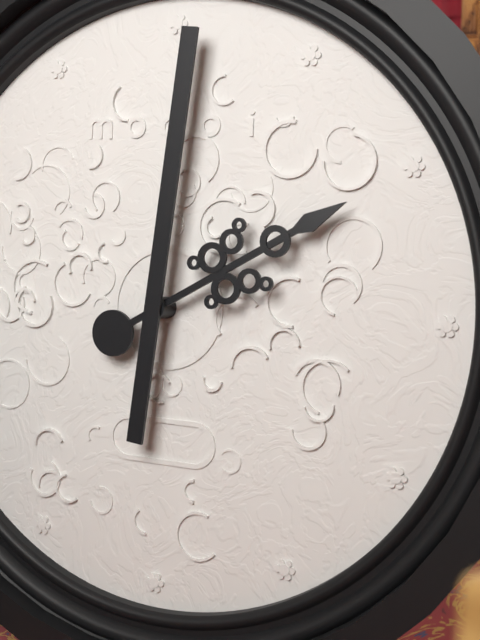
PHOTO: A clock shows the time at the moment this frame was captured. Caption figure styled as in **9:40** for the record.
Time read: **2:01**
